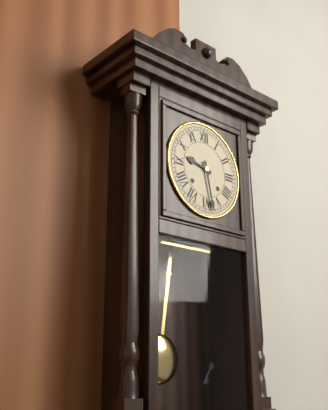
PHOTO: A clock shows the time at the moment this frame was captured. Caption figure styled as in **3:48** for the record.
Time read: **9:28**
